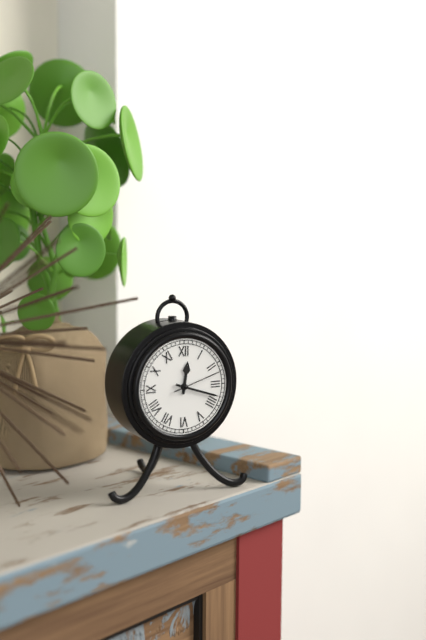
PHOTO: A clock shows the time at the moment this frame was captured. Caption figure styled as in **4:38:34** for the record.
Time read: **12:18:12**
